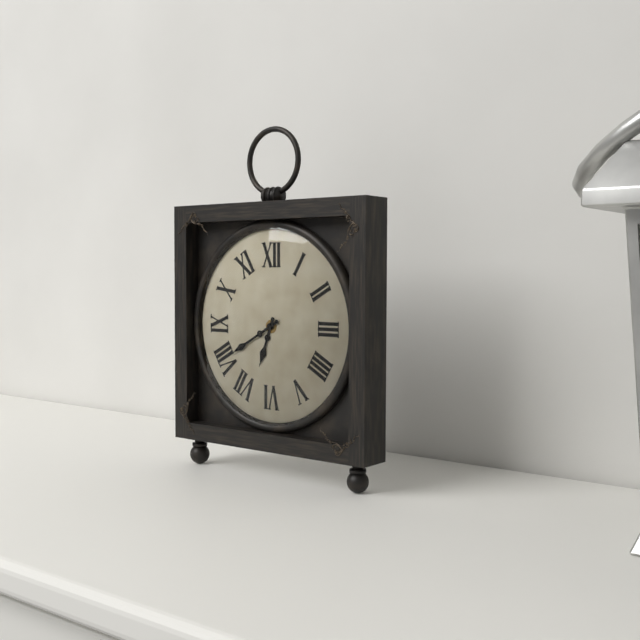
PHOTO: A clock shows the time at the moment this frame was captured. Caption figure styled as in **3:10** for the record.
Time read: **6:40**
